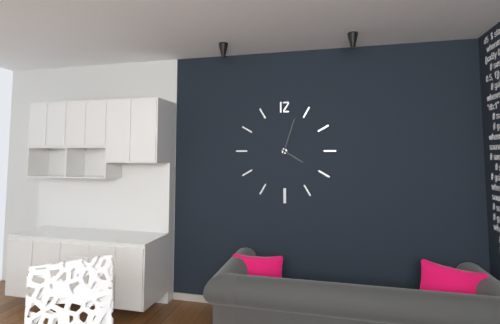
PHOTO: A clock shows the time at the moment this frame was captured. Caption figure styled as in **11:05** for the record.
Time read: **4:03**
